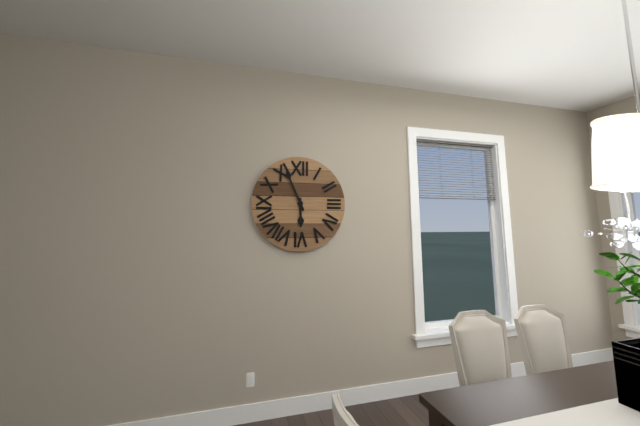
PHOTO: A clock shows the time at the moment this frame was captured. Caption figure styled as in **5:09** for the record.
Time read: **5:56**
